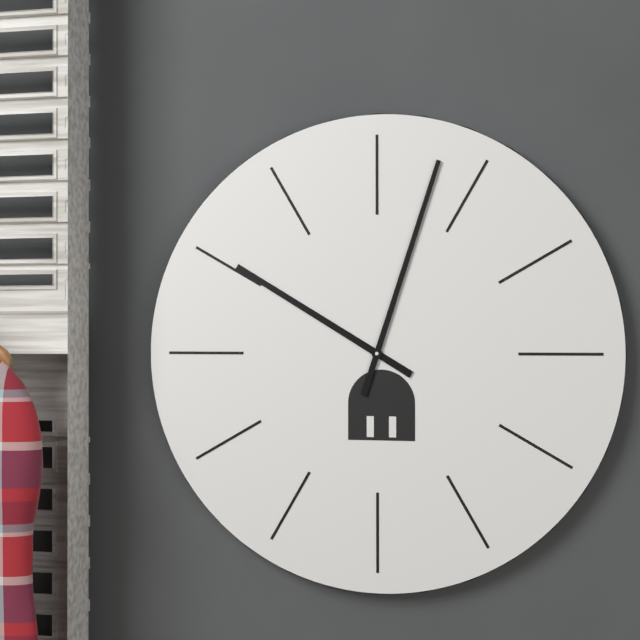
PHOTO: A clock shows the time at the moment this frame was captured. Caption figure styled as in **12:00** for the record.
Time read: **10:03**
